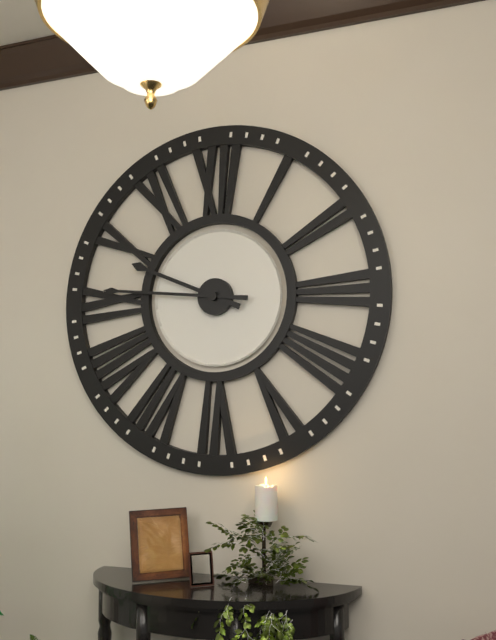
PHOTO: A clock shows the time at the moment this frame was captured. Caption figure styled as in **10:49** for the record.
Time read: **9:46**
